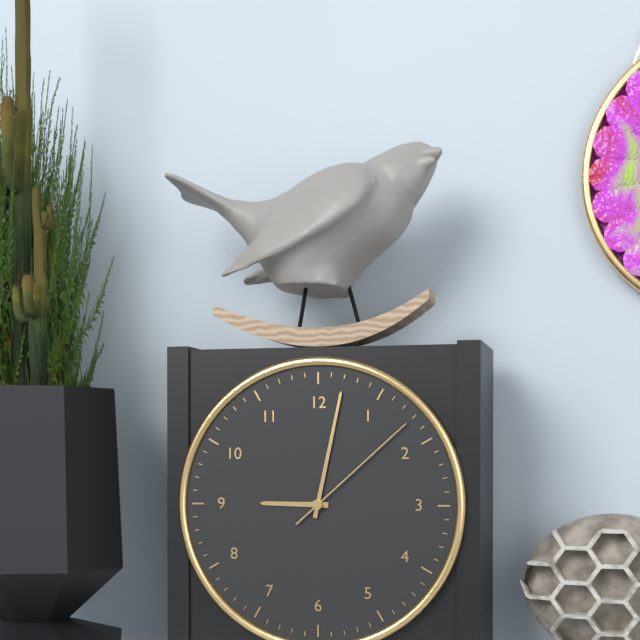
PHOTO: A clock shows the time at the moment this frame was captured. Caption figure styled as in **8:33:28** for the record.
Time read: **9:02:08**
